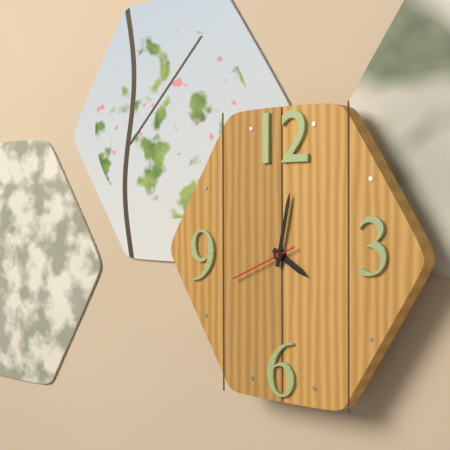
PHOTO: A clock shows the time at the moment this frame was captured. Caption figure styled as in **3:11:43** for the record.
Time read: **4:02:41**
